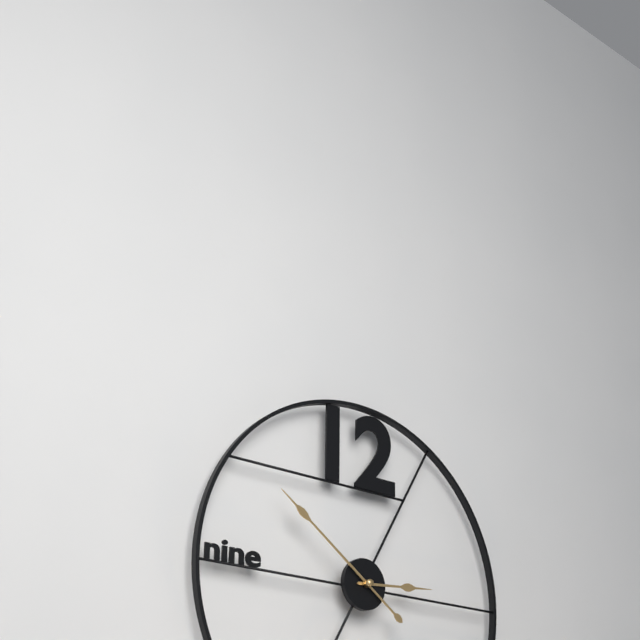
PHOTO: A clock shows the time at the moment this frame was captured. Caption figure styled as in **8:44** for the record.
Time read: **2:51**
